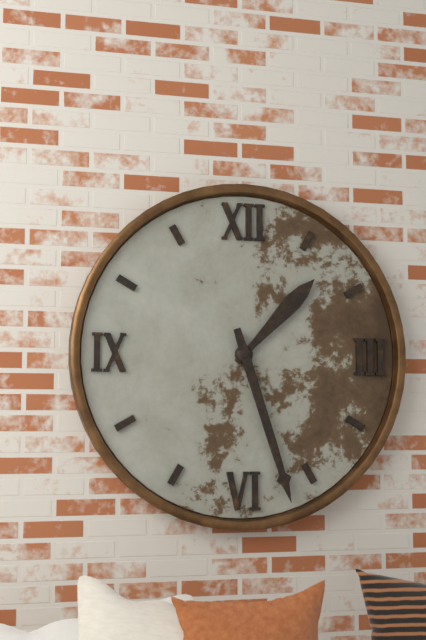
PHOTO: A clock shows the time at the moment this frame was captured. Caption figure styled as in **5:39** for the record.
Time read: **1:27**
